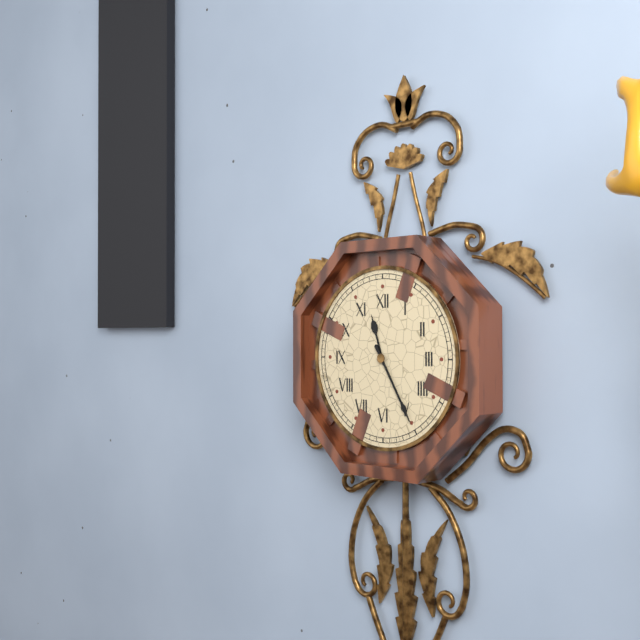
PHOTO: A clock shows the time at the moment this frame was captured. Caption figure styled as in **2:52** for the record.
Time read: **11:25**
